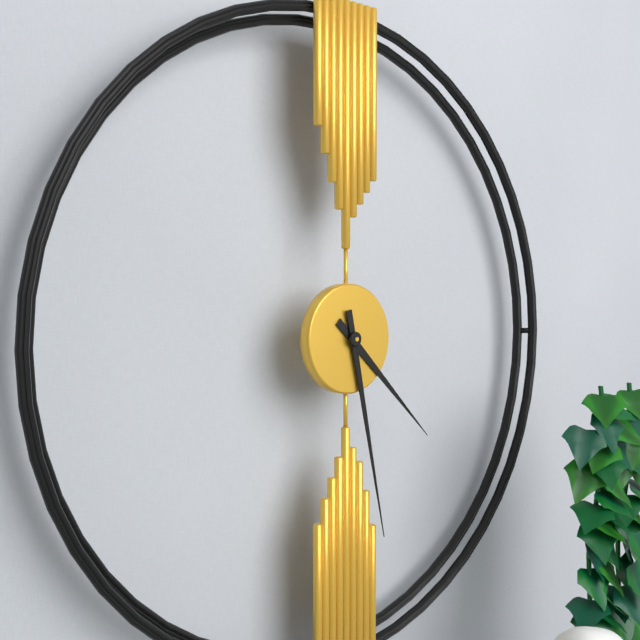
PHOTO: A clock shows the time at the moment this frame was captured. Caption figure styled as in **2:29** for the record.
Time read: **4:28**
